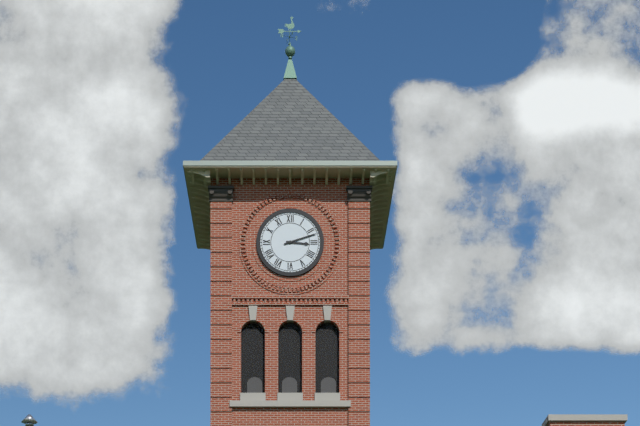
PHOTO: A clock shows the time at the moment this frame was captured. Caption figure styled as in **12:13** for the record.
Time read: **3:12**
